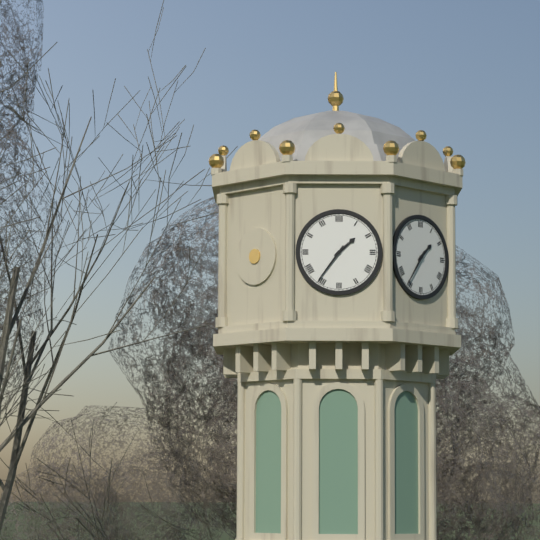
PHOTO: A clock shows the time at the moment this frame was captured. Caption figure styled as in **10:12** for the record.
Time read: **1:36**
